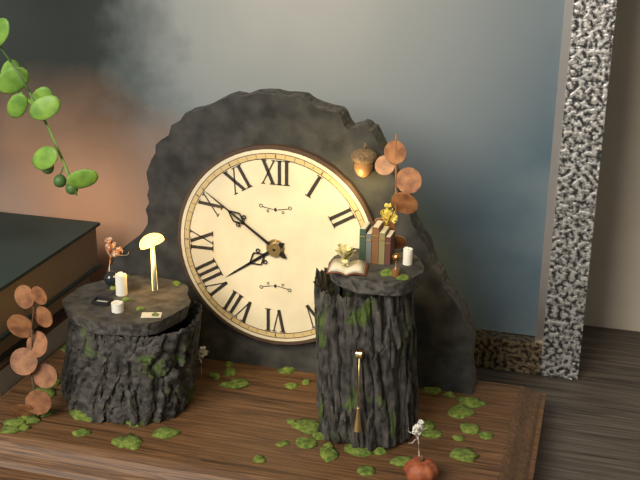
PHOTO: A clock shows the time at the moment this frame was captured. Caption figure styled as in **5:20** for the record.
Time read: **7:51**
